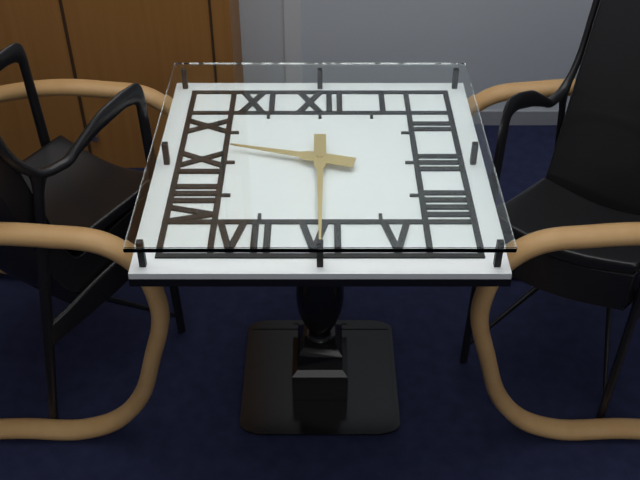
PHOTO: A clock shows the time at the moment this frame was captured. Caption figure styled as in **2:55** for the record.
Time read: **9:30**
